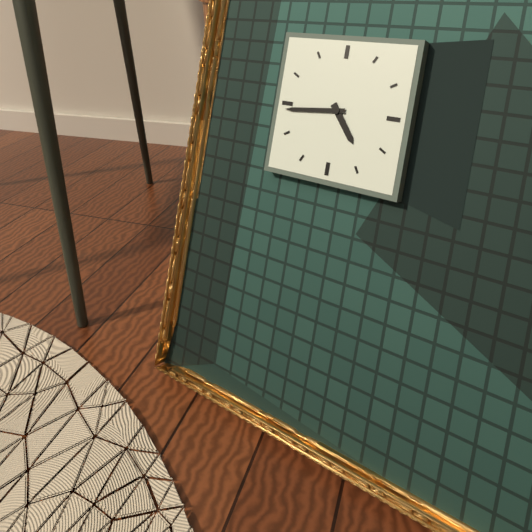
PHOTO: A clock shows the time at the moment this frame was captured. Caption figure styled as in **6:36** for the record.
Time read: **4:44**
